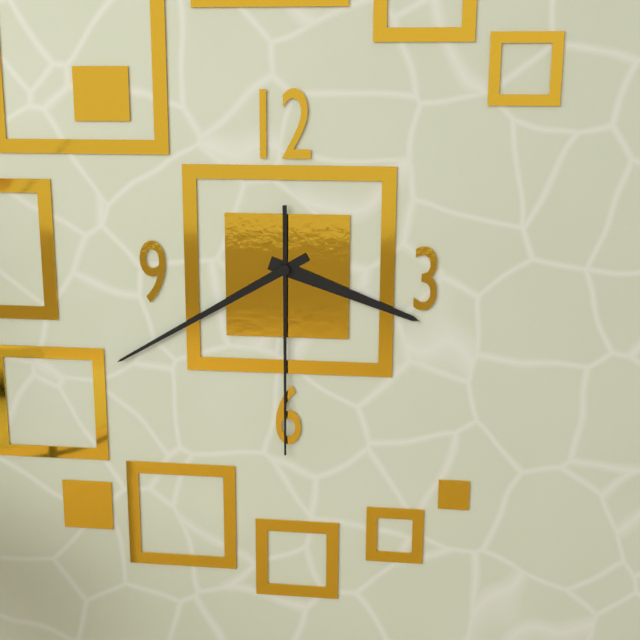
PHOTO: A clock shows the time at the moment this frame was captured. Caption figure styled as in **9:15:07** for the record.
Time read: **3:40:30**
